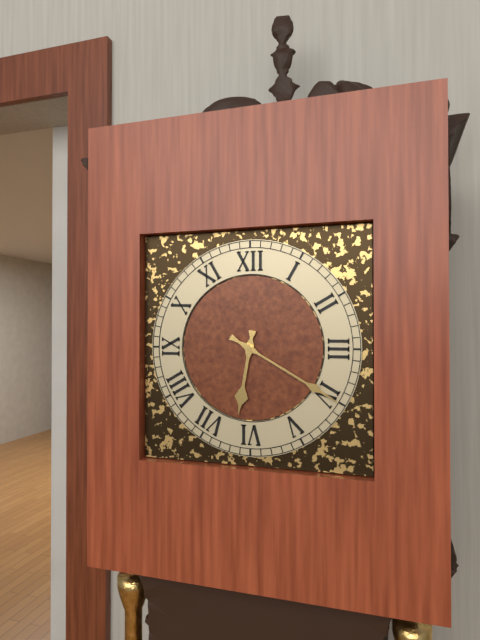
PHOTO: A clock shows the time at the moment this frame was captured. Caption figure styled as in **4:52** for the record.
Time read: **6:20**
